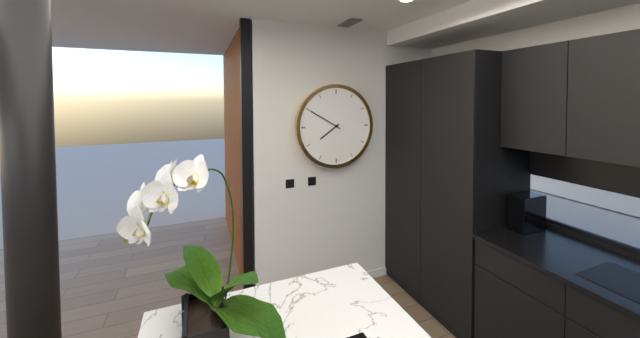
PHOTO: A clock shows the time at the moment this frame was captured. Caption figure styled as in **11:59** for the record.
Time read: **7:50**
